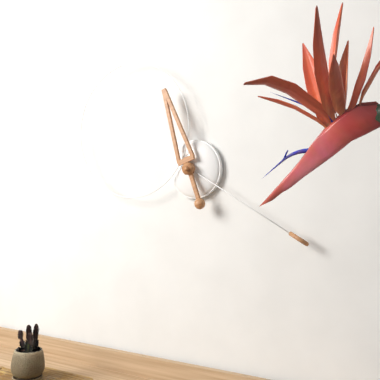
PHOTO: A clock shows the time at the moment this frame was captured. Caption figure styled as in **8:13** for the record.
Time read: **11:20**
